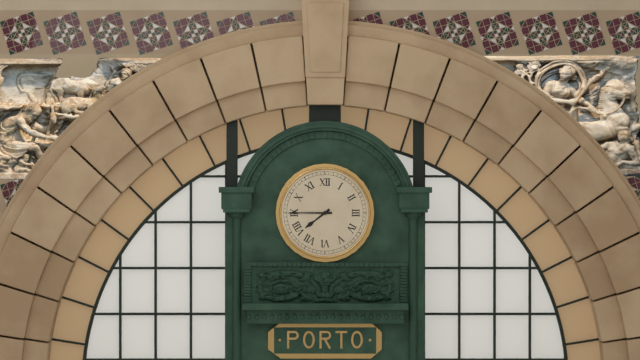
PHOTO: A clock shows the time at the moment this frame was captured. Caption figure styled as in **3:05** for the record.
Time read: **7:45**
